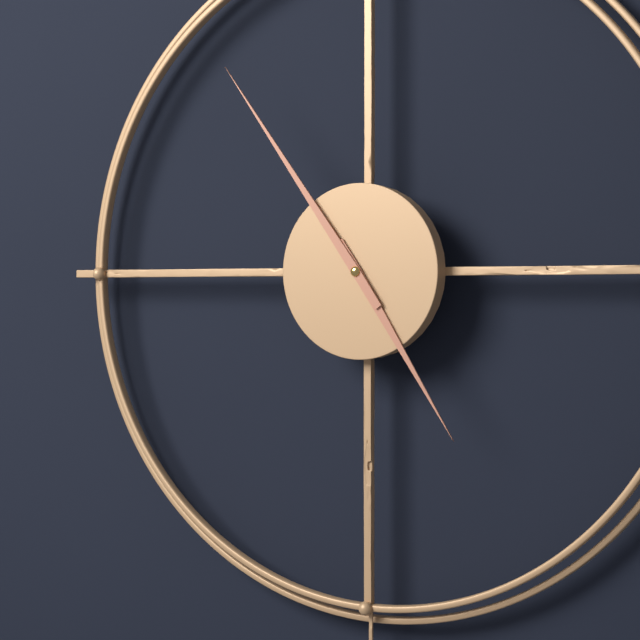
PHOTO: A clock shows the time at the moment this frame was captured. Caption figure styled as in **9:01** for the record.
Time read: **4:54**
